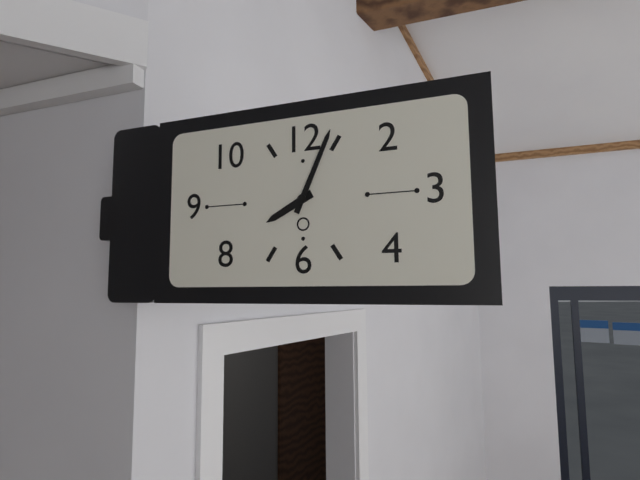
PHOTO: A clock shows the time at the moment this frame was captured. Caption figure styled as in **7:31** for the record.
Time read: **8:04**
